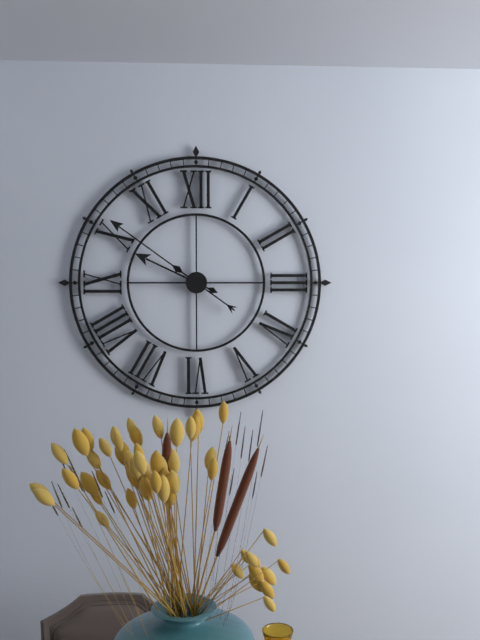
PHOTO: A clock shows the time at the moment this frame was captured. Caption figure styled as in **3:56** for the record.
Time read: **9:51**
